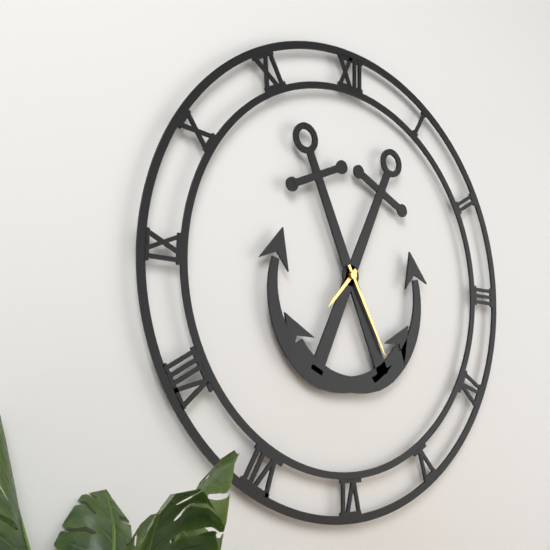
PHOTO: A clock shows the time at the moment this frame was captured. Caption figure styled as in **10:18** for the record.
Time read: **7:25**
